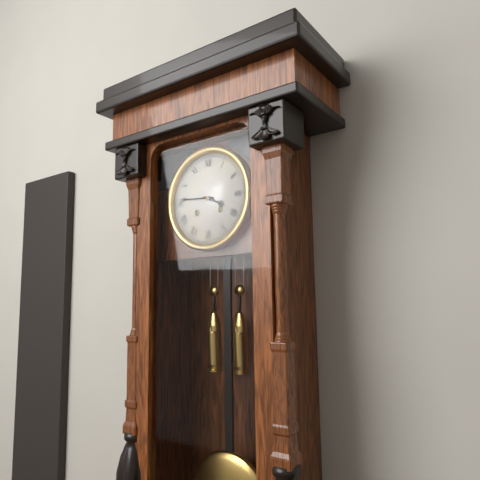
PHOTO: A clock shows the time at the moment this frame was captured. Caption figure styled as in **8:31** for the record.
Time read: **3:46**
